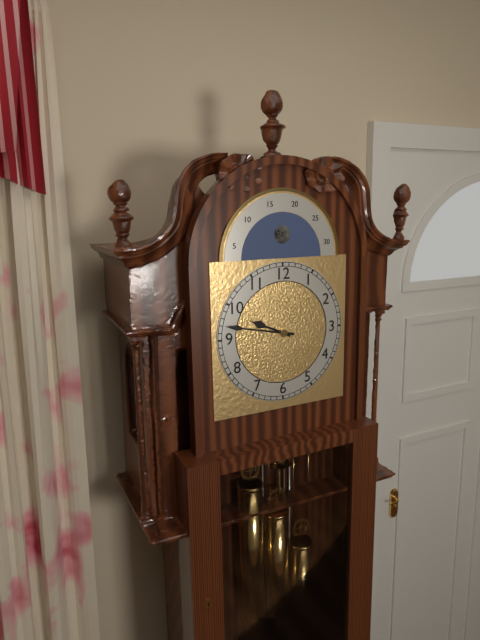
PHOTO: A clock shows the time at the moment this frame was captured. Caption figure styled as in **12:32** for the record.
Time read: **9:47**
